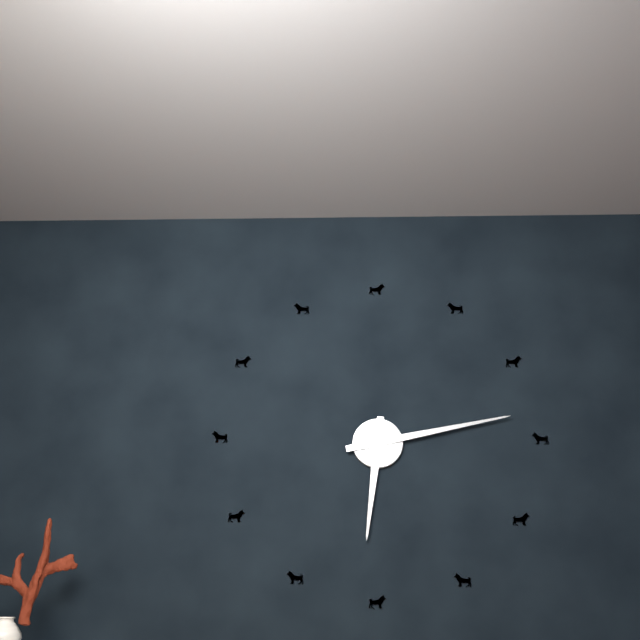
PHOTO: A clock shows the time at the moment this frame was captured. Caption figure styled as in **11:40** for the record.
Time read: **6:13**
